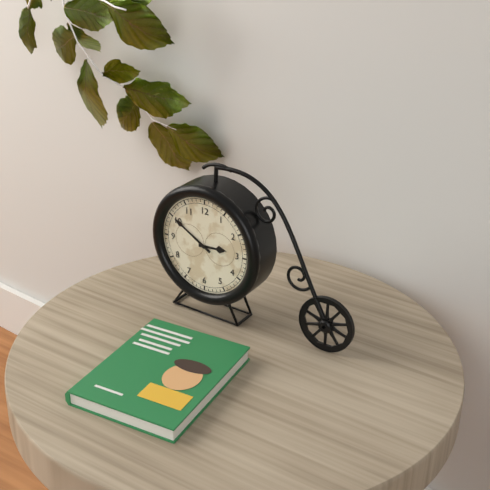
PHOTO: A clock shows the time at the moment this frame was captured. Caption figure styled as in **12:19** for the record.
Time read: **2:50**
